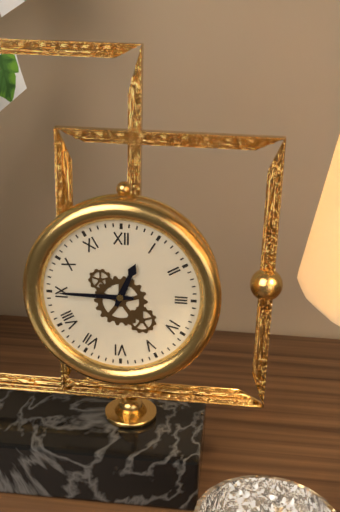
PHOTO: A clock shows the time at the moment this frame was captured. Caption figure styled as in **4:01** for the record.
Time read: **12:45**
